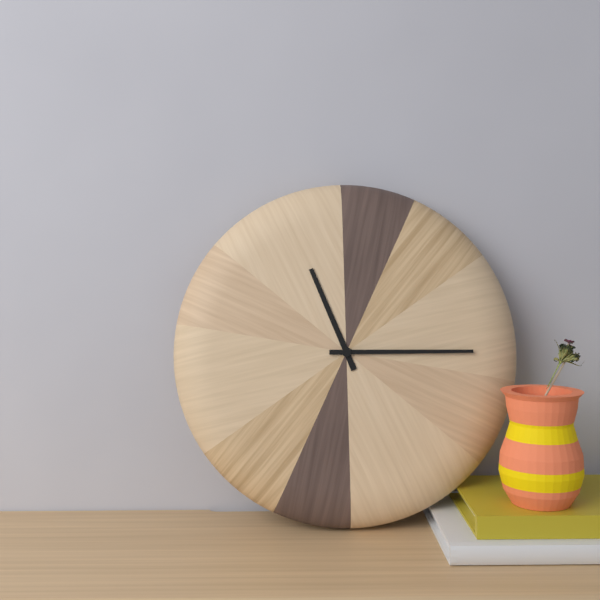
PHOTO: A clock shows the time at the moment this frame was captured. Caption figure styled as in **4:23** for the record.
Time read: **11:15**
